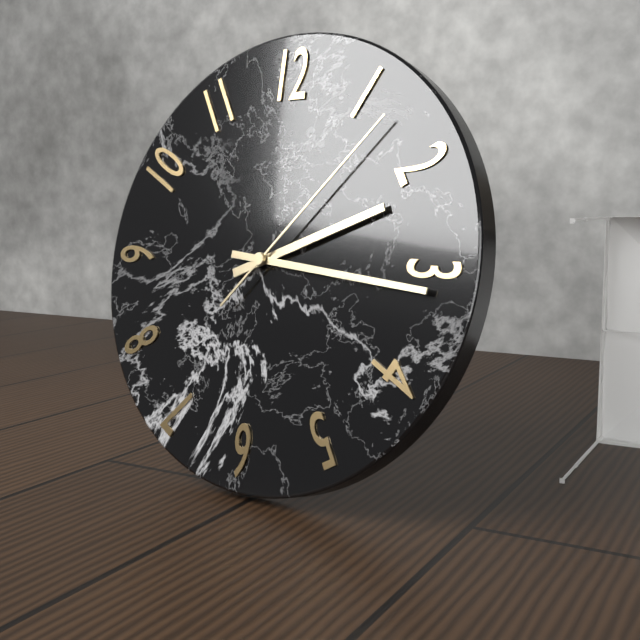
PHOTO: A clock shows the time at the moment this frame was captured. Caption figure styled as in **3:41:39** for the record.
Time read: **2:16:07**
